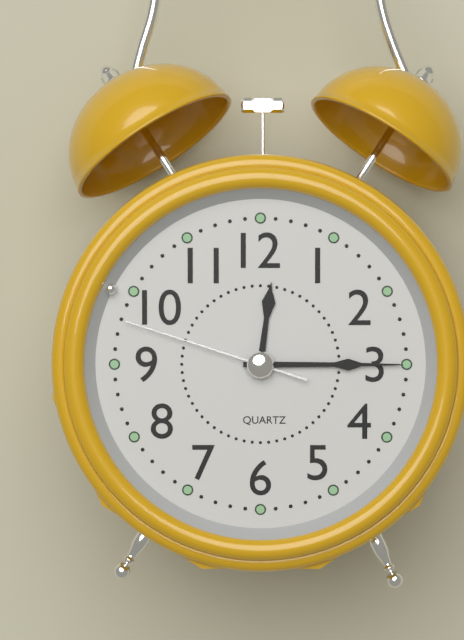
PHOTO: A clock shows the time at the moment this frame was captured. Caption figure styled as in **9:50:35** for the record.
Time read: **12:15:48**
